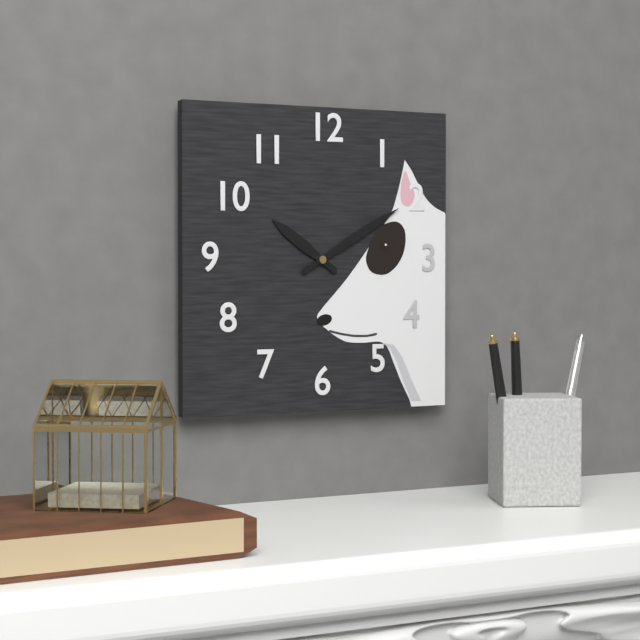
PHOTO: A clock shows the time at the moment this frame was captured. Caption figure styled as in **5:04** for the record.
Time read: **10:10**
